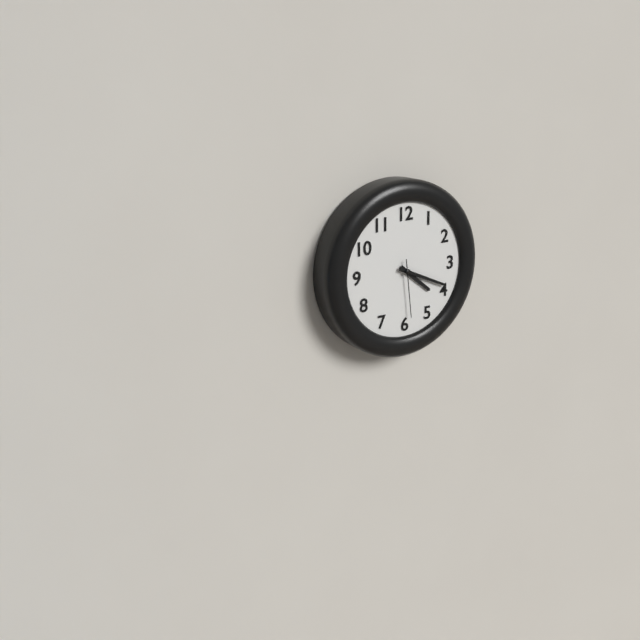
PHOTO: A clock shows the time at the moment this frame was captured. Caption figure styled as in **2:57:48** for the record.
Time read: **4:19:29**
